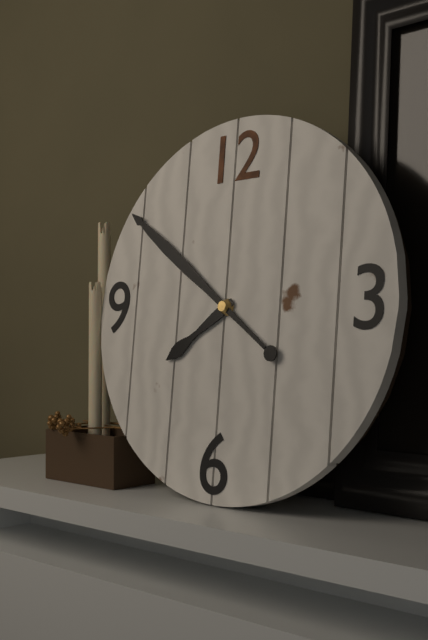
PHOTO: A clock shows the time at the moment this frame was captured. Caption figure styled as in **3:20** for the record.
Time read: **7:51**
